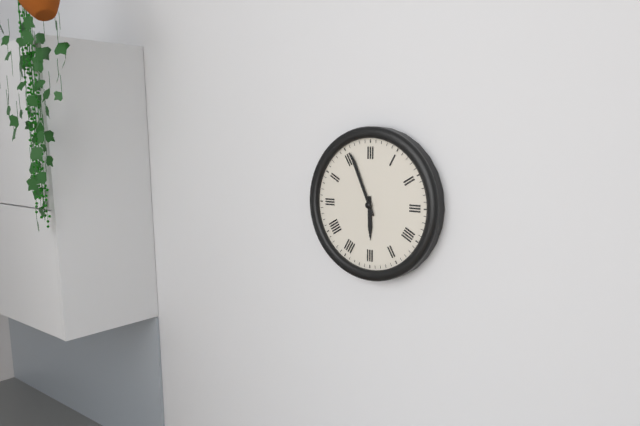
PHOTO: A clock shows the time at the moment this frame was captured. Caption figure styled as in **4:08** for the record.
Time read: **5:56**
